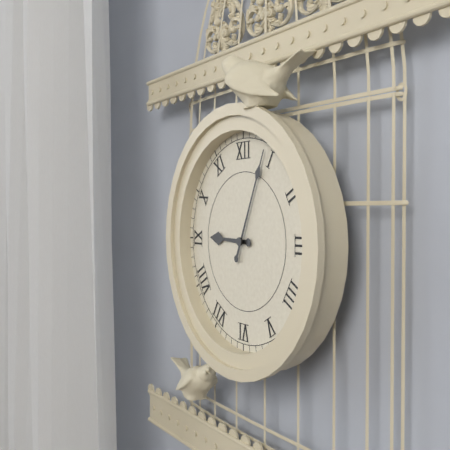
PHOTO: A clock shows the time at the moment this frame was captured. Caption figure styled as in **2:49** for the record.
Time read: **9:04**
